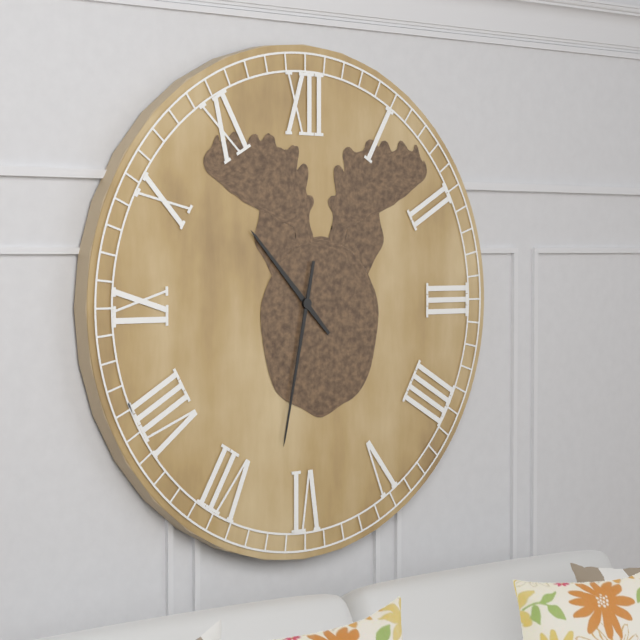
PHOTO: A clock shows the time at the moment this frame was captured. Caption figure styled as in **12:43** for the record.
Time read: **10:32**
